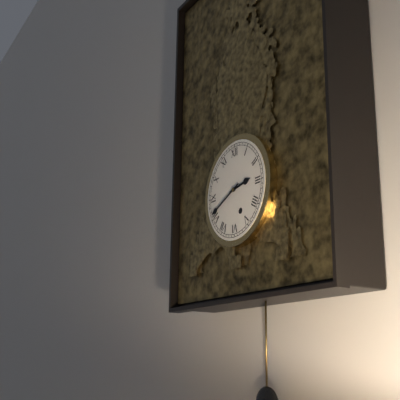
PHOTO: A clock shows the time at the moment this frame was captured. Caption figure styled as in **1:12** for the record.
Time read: **2:41**
